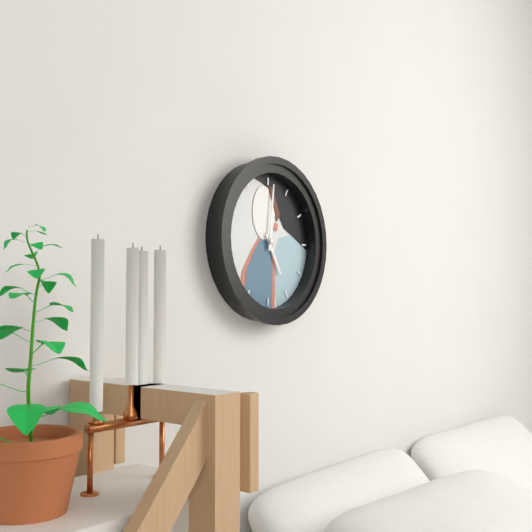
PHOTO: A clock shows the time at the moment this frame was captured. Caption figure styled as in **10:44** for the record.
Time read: **5:01**
